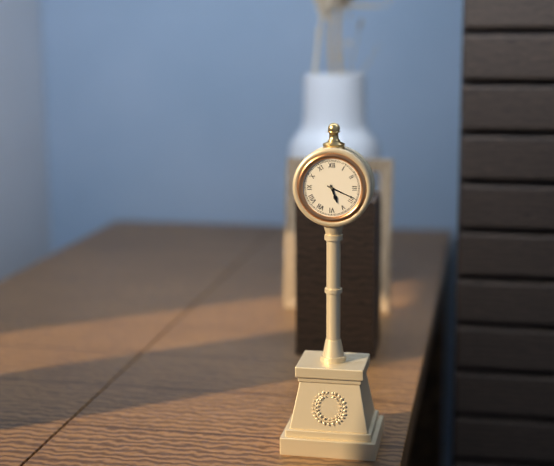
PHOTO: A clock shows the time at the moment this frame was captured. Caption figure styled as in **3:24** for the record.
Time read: **5:19**
